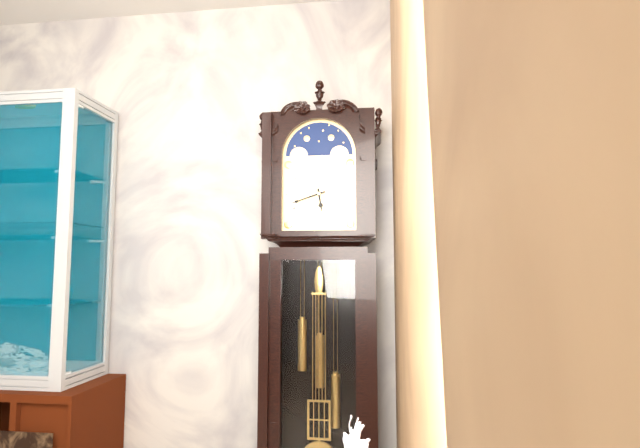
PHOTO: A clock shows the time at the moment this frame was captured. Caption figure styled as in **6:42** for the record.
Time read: **5:42**
